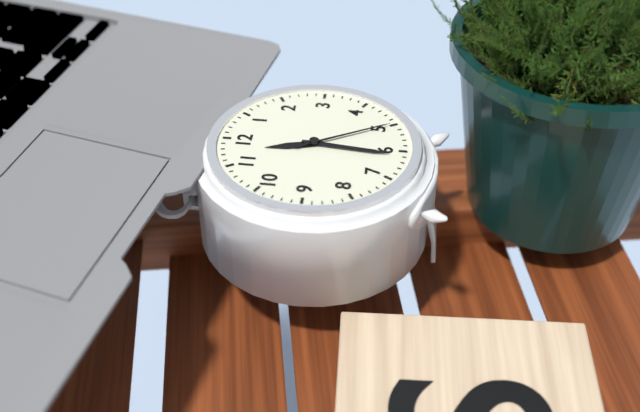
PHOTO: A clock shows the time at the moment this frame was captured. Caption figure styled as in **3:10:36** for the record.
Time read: **11:31:25**
